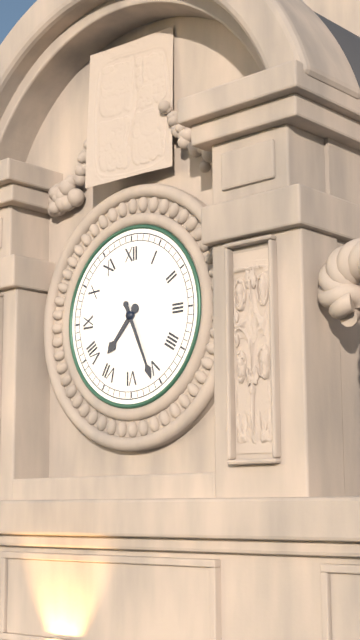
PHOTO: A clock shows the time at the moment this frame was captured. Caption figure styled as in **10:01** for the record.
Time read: **7:26**
